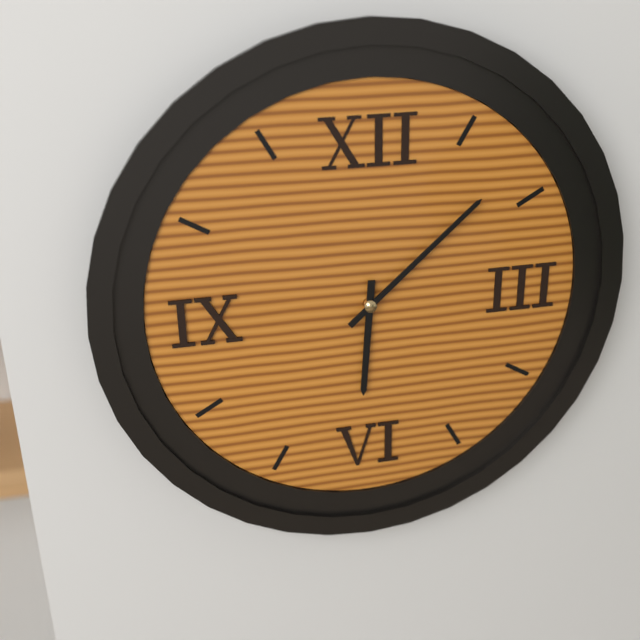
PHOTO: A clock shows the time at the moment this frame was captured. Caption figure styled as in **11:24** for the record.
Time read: **6:08**
